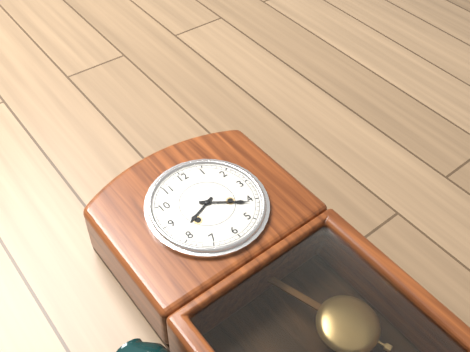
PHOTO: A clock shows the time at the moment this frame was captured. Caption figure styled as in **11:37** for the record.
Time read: **8:21**
